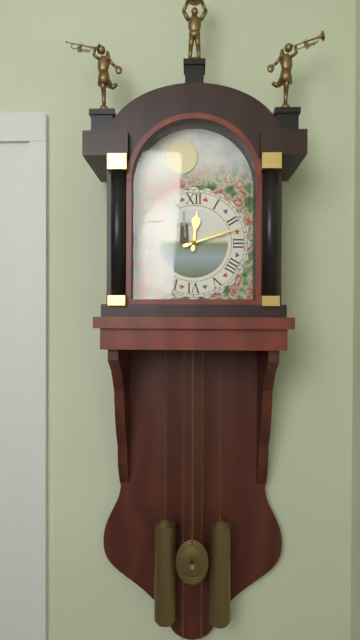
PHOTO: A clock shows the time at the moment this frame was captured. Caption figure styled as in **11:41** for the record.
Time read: **12:12**
